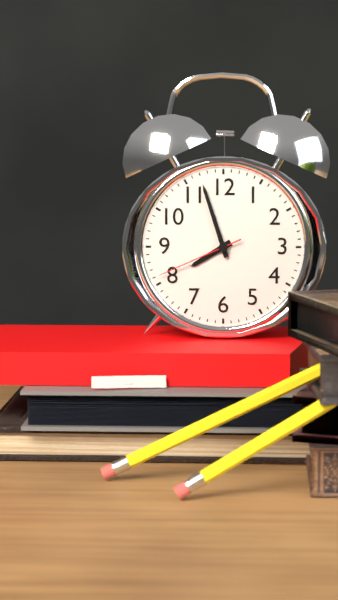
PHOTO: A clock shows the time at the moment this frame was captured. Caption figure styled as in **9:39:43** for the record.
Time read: **7:57:41**
